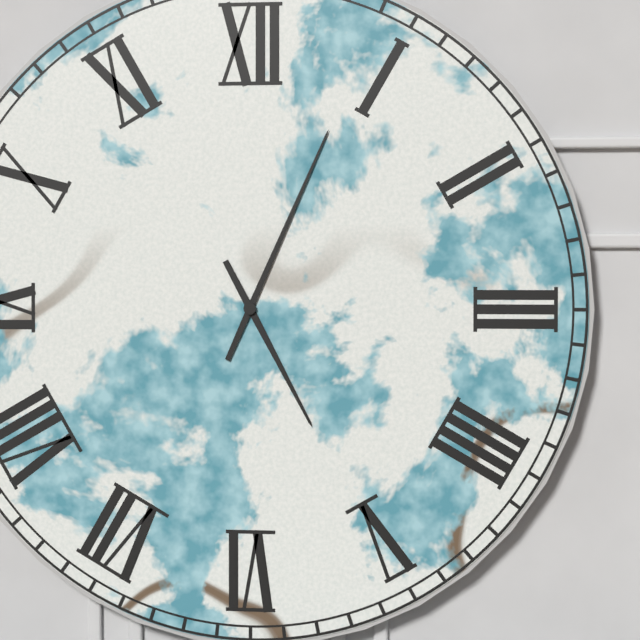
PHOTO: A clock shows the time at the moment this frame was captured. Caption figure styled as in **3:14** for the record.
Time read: **5:04**
